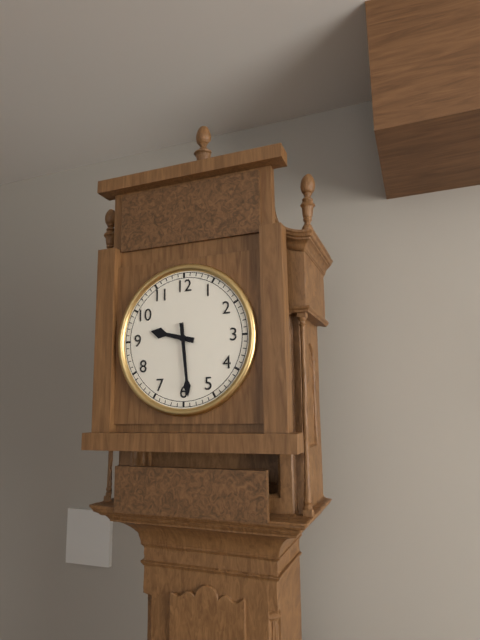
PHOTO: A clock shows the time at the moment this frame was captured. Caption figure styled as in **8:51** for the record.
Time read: **9:29**
